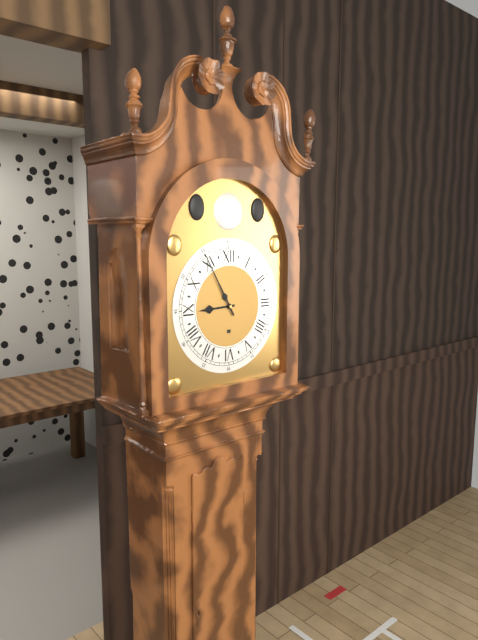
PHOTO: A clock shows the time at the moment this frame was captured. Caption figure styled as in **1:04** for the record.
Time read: **8:55**
